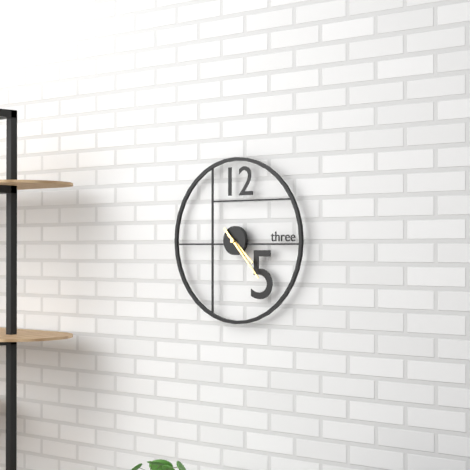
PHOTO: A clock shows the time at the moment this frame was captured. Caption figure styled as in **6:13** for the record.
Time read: **4:23**
